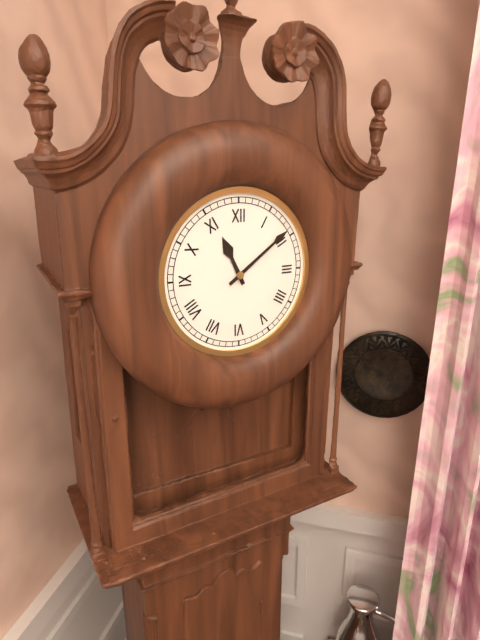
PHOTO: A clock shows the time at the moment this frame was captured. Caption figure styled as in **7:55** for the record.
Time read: **11:09**
